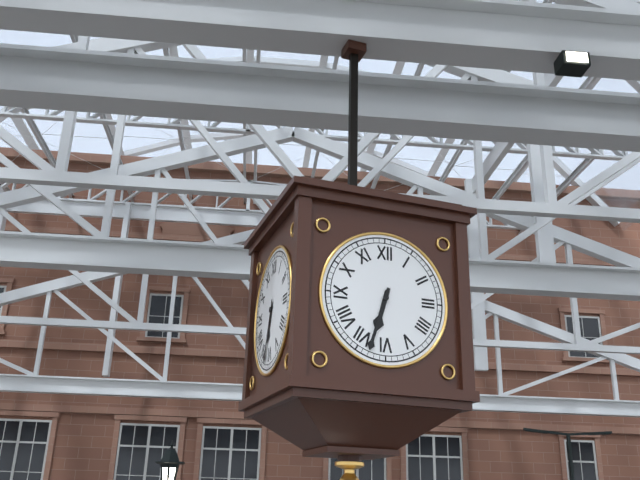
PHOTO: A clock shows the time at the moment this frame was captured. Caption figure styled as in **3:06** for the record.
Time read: **6:33**
